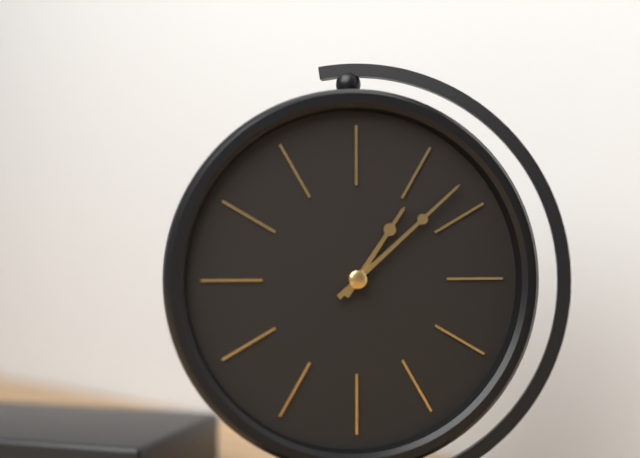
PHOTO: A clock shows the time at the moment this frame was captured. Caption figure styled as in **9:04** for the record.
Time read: **1:08**
